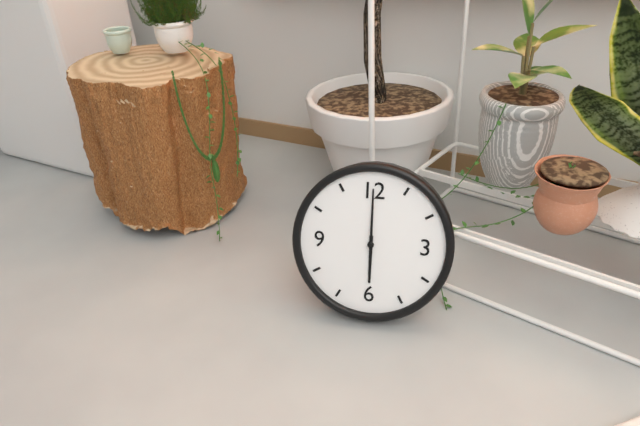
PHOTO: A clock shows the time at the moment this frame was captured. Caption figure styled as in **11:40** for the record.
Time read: **6:00**
